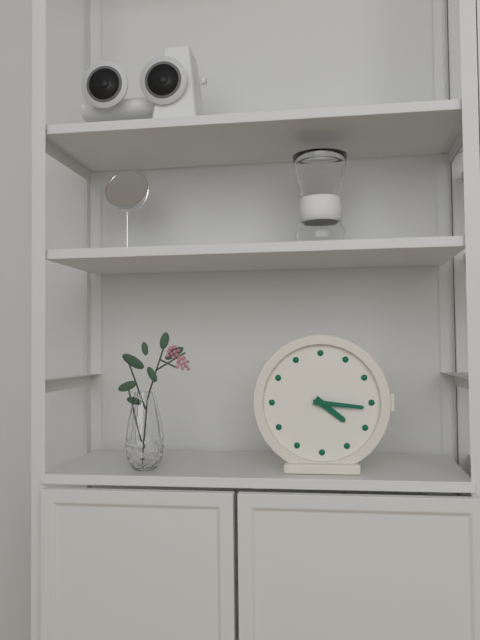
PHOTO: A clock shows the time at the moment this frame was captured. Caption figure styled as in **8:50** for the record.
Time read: **4:16**
